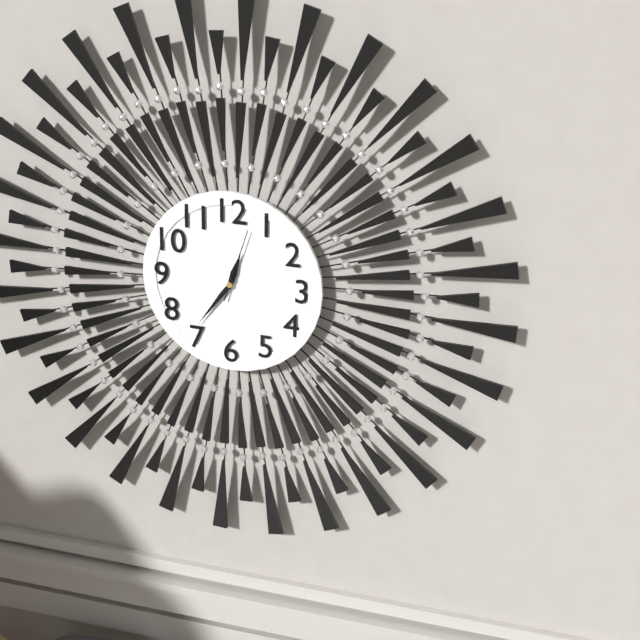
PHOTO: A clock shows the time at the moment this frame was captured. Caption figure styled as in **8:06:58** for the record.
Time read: **12:36:03**
